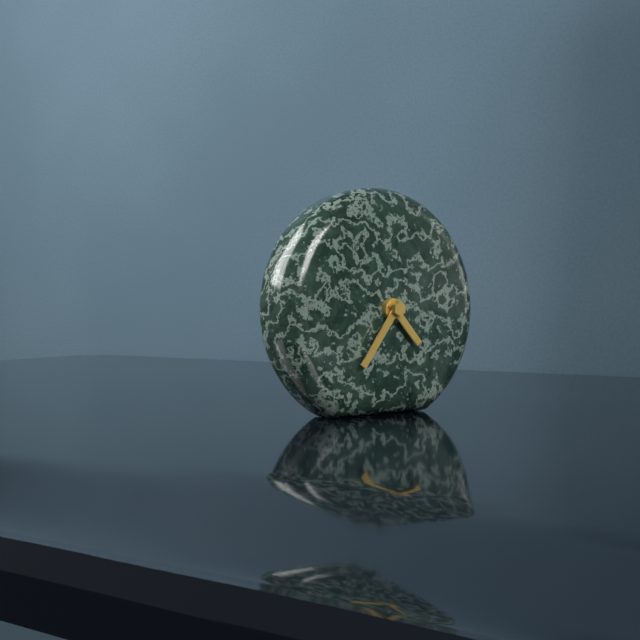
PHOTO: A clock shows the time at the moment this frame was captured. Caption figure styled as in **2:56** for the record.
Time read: **4:36**
